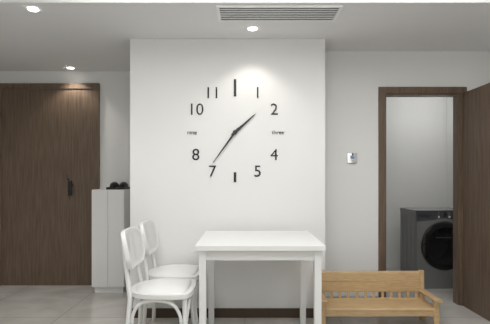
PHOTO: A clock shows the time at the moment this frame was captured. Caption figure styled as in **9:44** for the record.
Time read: **1:36**
